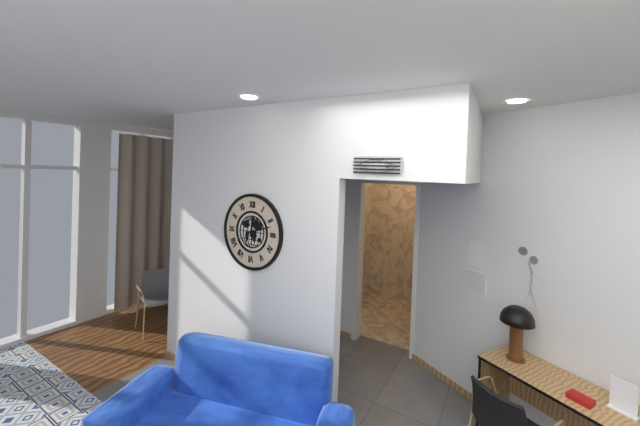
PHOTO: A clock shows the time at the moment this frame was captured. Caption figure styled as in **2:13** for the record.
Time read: **12:12**
